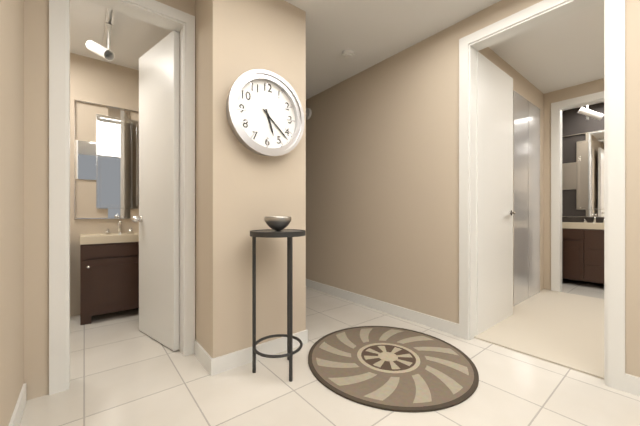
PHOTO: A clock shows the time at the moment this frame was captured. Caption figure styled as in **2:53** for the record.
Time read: **5:22**
